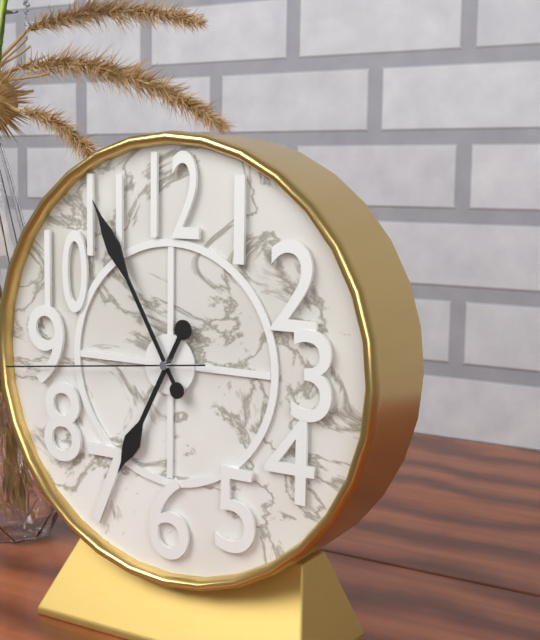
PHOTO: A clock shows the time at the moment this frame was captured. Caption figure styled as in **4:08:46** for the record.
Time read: **6:55:44**
